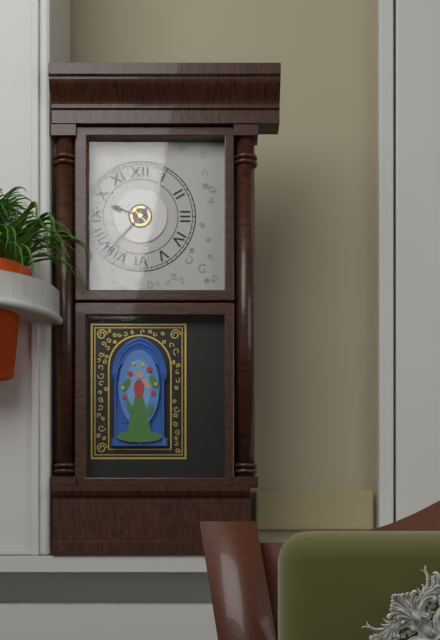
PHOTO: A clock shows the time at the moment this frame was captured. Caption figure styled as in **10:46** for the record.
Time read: **9:37**
